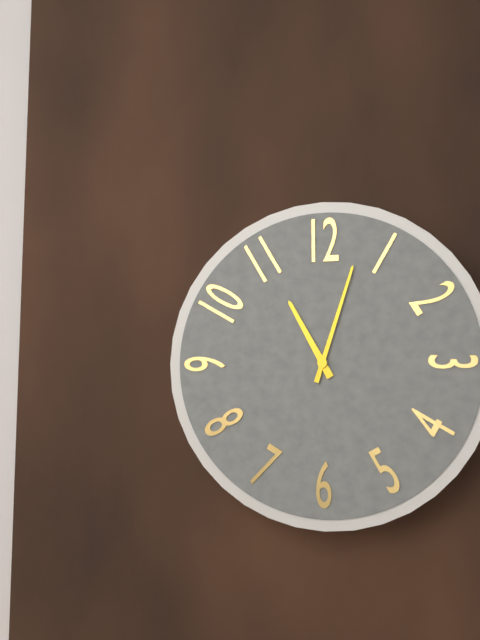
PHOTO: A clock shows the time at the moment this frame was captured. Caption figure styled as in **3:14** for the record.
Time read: **11:03**
